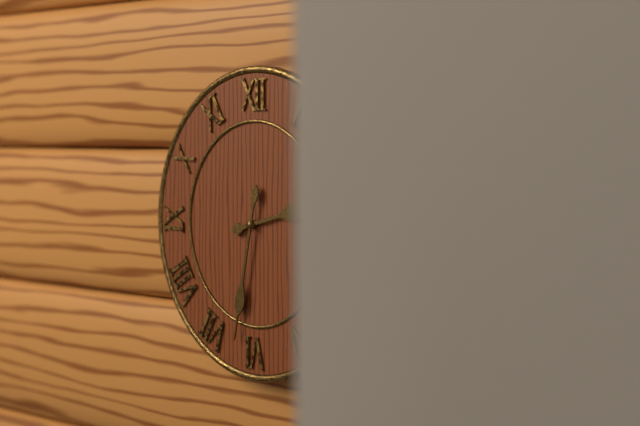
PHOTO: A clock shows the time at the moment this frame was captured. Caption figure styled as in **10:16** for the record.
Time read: **2:32**
